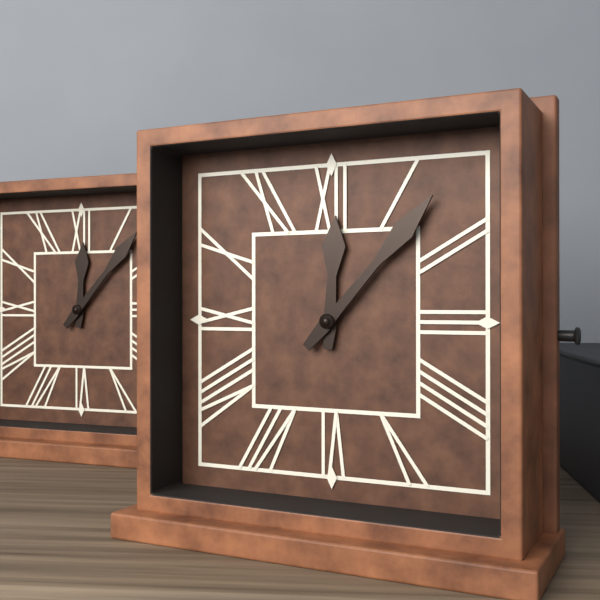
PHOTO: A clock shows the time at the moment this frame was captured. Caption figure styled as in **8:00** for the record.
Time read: **12:07**
